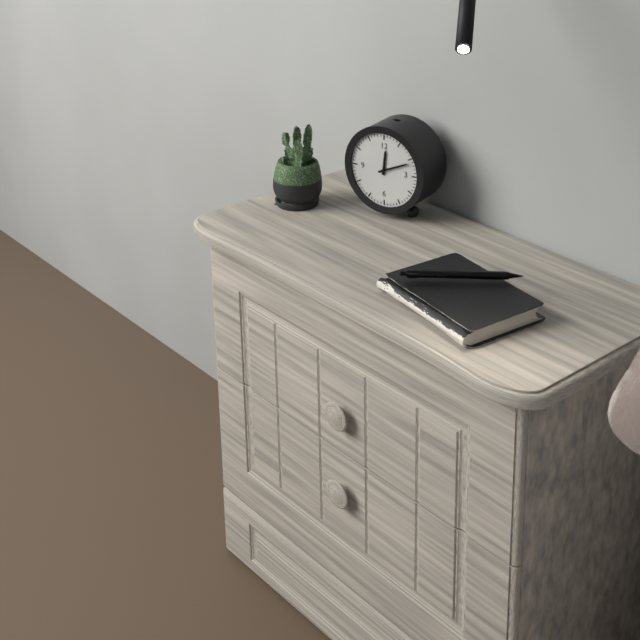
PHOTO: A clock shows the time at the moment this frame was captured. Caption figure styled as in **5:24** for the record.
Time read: **12:11**
